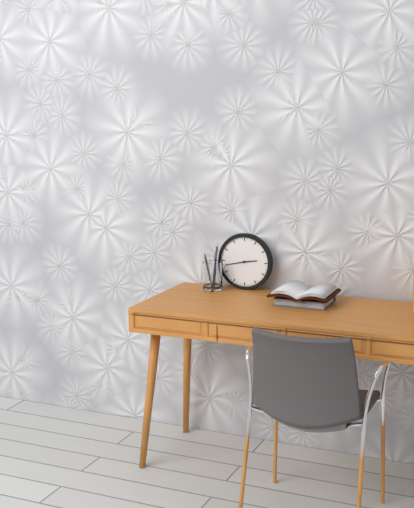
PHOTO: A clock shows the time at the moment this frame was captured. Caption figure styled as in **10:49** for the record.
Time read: **2:43**
